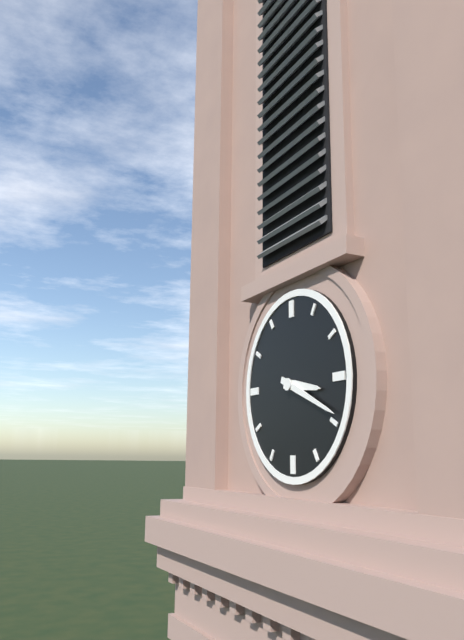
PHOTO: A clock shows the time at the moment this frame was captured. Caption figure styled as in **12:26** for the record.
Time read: **3:19**
